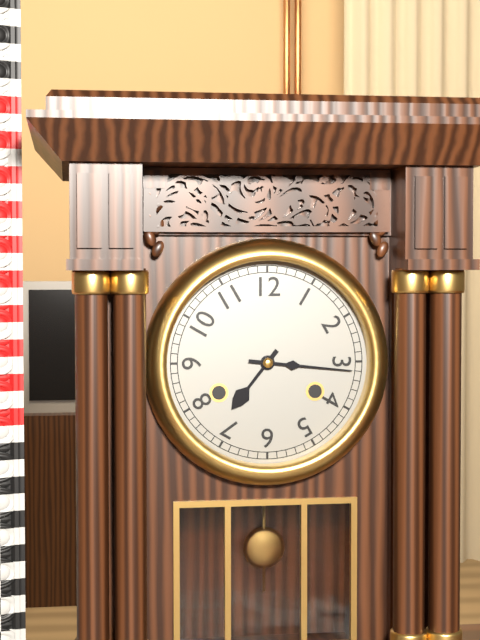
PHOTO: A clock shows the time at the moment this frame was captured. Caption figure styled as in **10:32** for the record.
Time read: **7:16**
